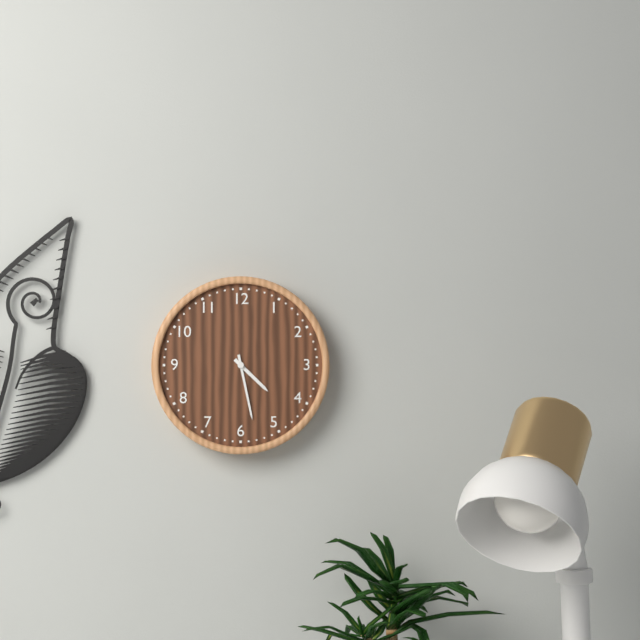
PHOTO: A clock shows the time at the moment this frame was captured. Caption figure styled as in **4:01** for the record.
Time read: **4:28**
